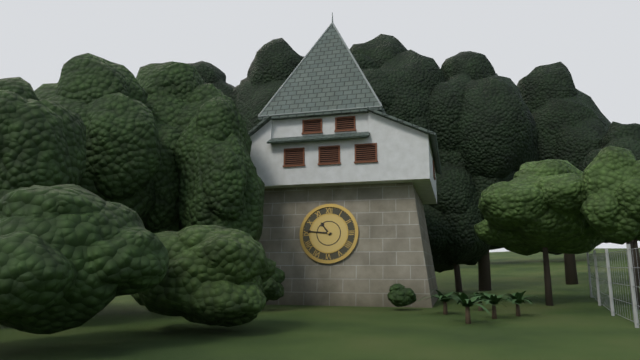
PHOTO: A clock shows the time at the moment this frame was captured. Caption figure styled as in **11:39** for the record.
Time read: **10:46**
